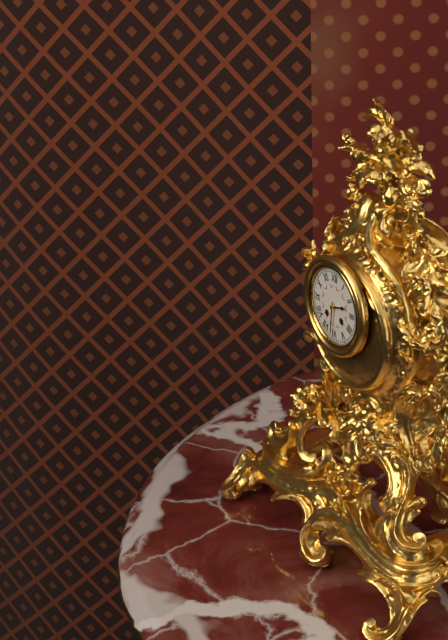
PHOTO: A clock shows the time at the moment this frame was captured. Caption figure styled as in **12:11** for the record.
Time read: **2:31**
